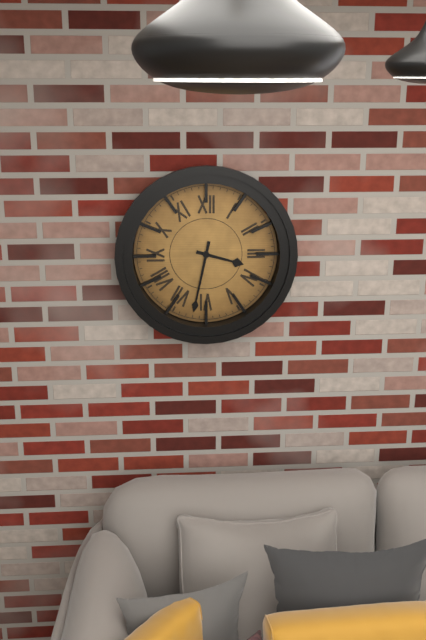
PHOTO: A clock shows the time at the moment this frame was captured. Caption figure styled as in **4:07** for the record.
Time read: **3:32**
